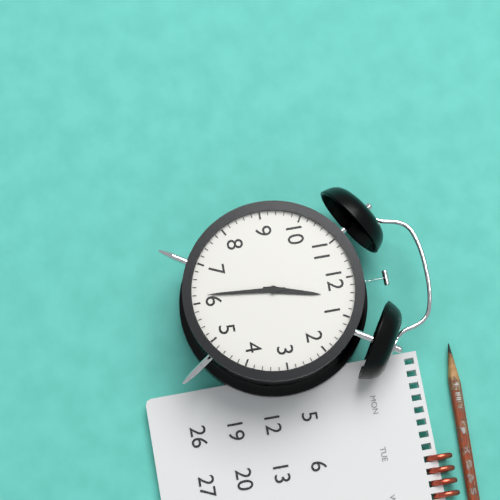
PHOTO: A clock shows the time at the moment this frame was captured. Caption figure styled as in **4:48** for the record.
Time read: **12:31**
